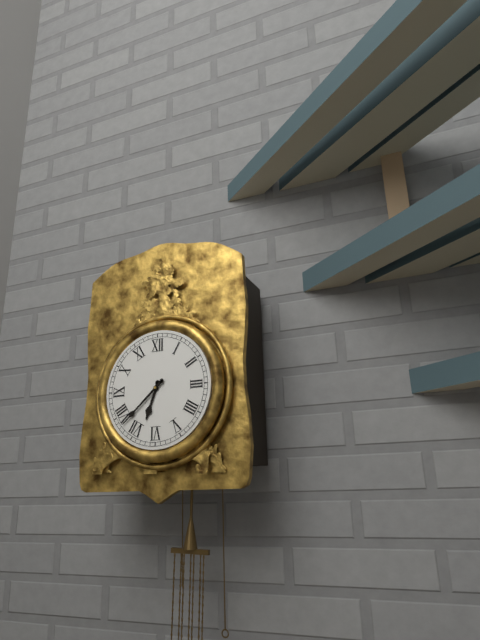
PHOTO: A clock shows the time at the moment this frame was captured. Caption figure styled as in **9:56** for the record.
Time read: **6:38**
